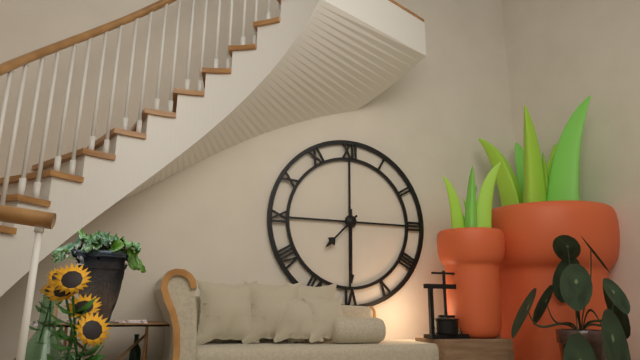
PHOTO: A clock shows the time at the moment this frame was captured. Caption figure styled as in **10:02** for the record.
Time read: **7:30**
